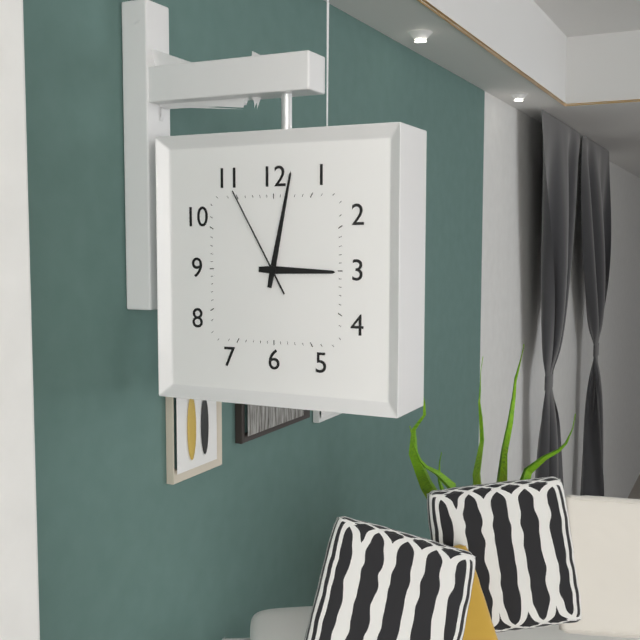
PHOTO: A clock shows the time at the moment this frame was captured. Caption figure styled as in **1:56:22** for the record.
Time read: **3:02:55**
